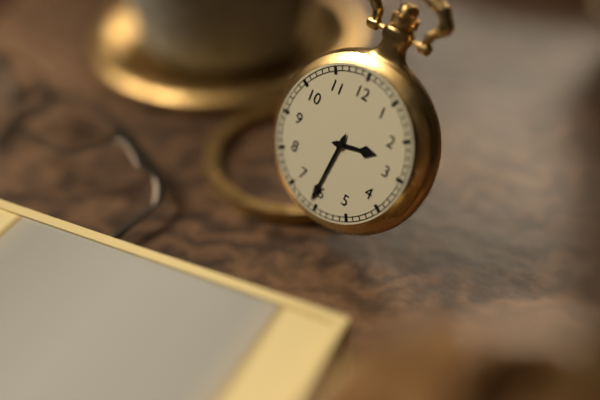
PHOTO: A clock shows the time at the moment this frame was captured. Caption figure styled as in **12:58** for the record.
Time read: **2:31**
